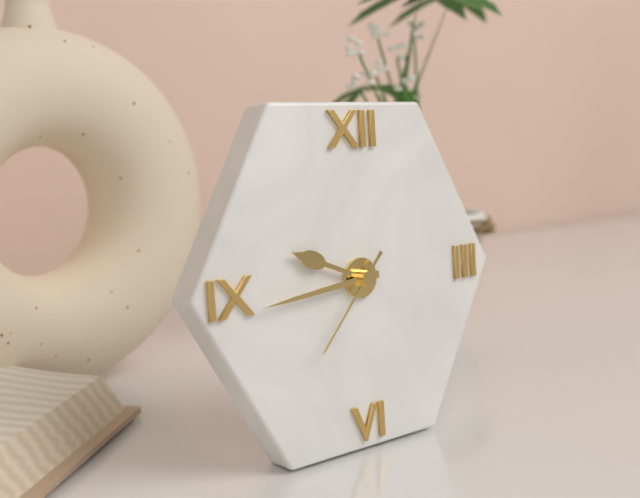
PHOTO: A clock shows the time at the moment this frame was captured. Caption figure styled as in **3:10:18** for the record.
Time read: **9:44:37**
